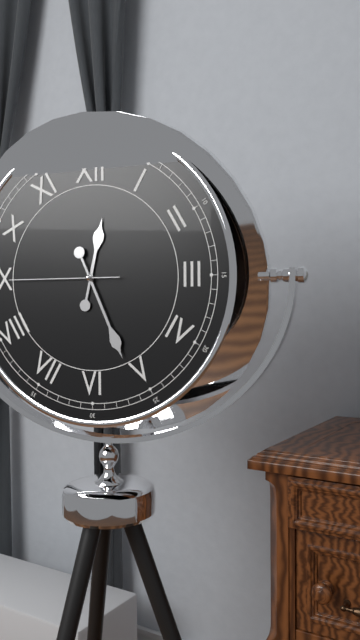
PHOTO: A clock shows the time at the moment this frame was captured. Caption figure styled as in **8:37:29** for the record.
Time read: **12:26:45**
